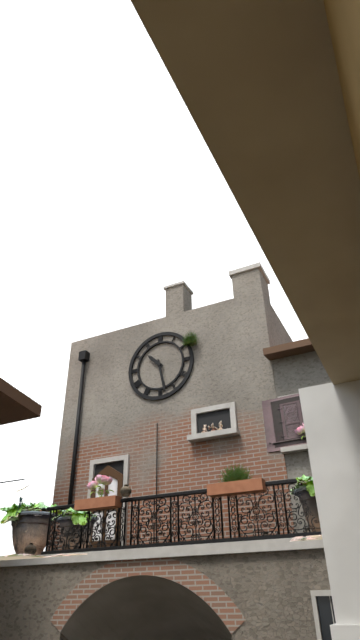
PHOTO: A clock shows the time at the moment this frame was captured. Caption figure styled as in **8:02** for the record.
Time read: **10:28**
